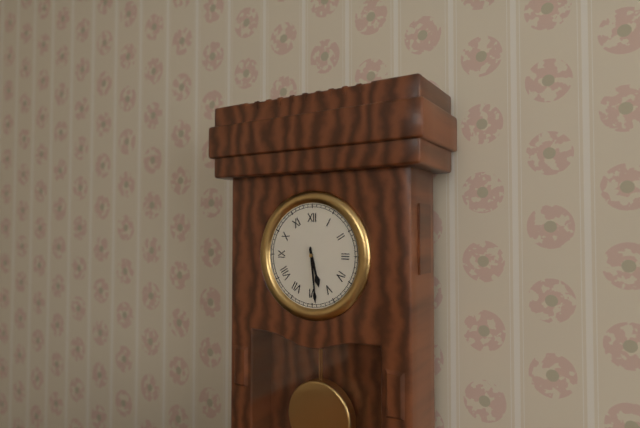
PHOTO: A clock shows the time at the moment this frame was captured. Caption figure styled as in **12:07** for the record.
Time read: **5:29**
